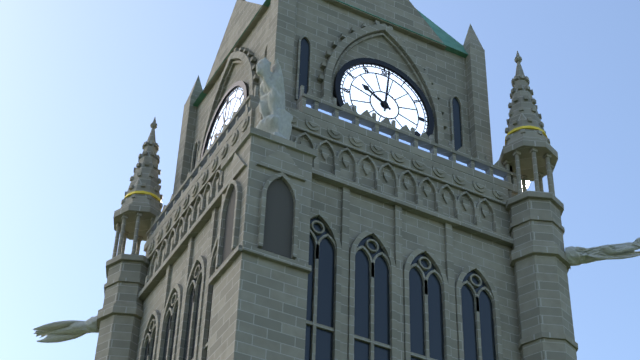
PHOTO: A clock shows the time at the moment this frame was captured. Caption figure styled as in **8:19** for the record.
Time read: **10:01**
